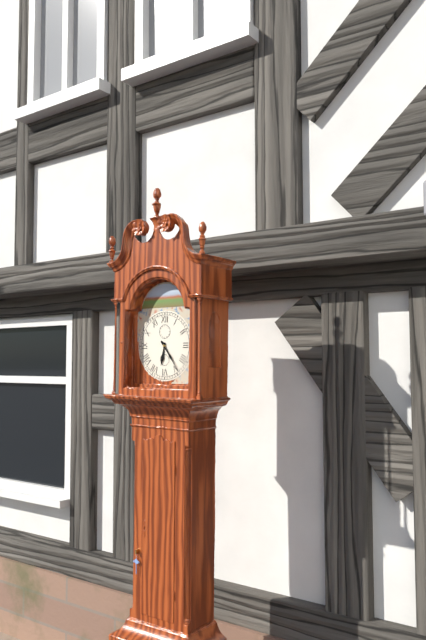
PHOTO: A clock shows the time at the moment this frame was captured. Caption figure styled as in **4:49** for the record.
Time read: **6:24**
